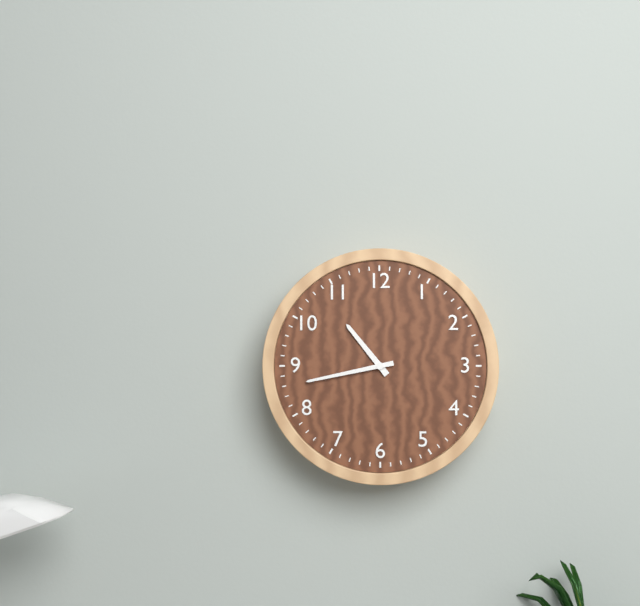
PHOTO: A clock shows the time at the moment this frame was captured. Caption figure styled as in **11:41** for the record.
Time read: **10:43**
